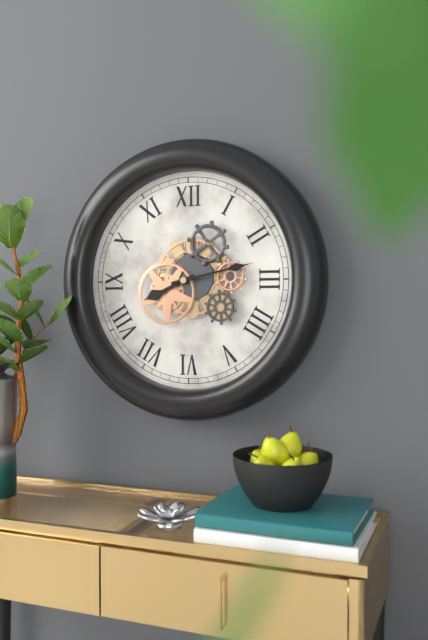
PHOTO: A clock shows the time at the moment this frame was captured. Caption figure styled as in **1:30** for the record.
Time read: **8:13**
